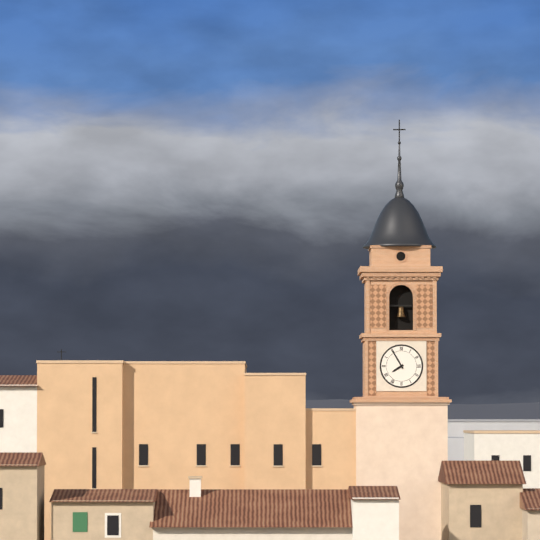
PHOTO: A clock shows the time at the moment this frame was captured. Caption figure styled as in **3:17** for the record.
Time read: **7:55**
